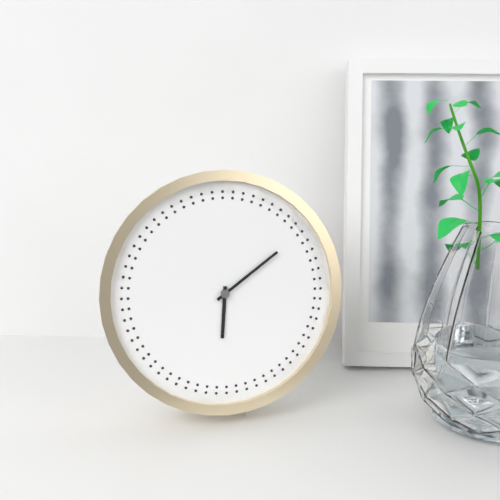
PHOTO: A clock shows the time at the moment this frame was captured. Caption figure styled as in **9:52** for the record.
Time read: **6:09**
